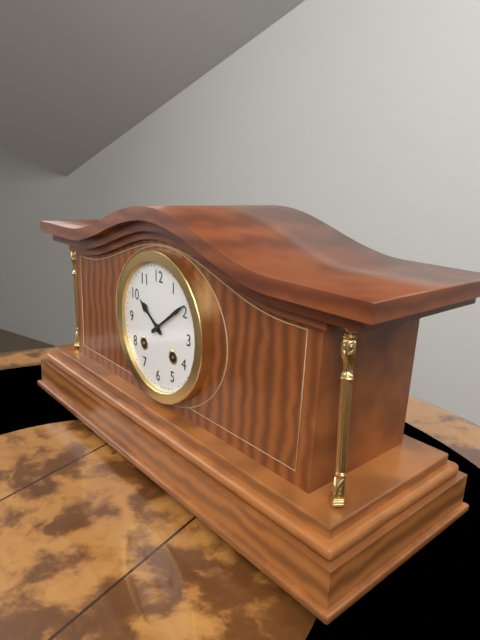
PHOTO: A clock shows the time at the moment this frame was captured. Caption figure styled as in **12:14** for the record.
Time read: **10:09**
